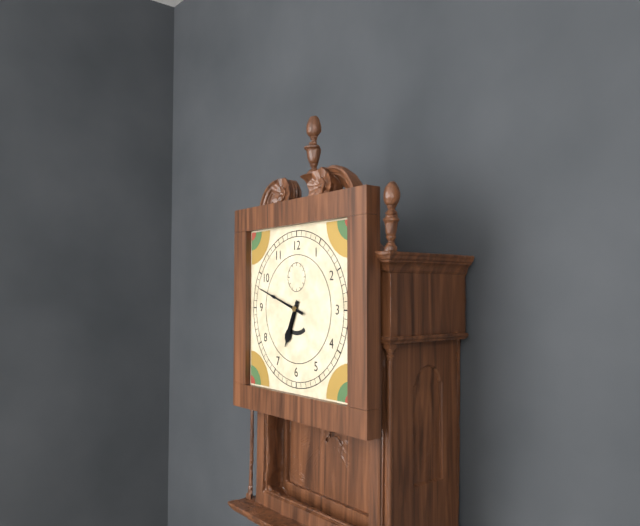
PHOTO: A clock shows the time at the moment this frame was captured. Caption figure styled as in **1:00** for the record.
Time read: **6:48**
